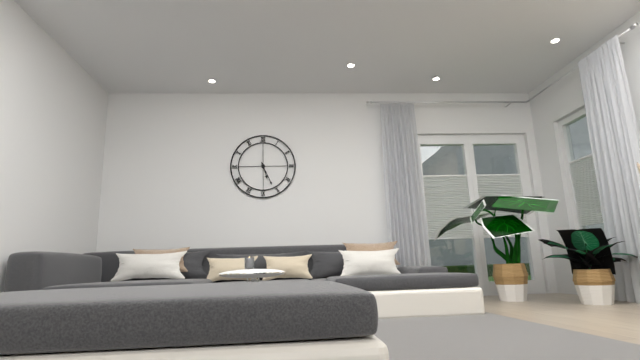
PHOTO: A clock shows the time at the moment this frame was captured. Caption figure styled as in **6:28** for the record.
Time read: **5:26**
